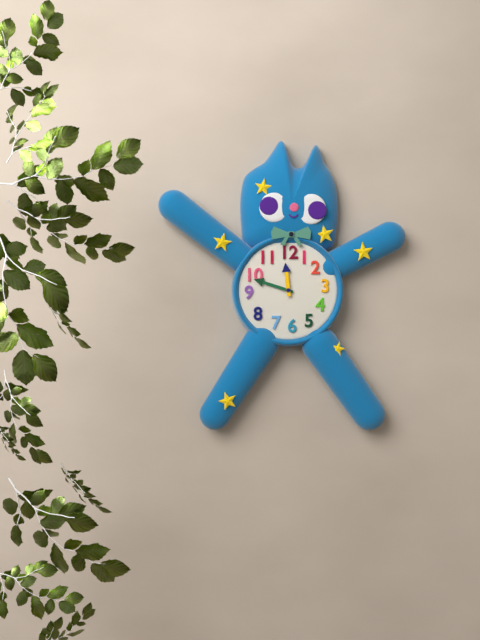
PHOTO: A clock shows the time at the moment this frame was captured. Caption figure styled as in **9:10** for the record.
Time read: **11:48**
